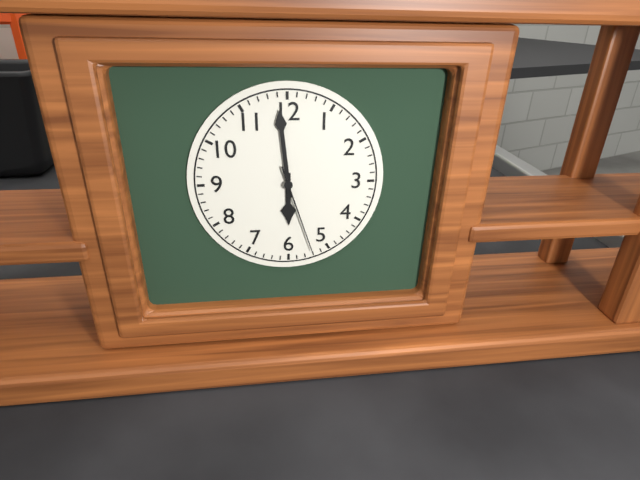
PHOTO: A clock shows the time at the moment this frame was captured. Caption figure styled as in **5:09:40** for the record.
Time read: **5:59:27**
